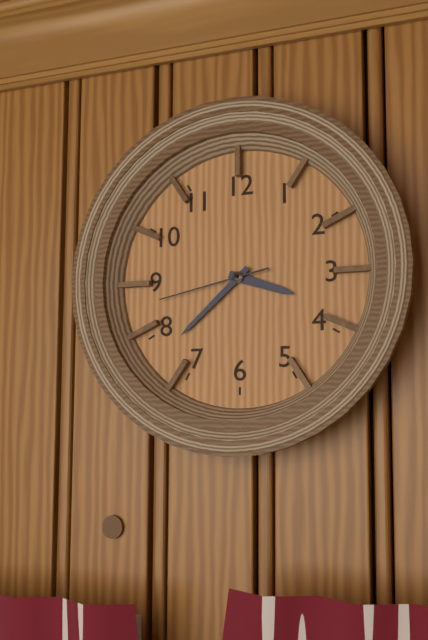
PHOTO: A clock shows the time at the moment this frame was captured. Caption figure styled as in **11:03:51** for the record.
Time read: **3:38:43**
